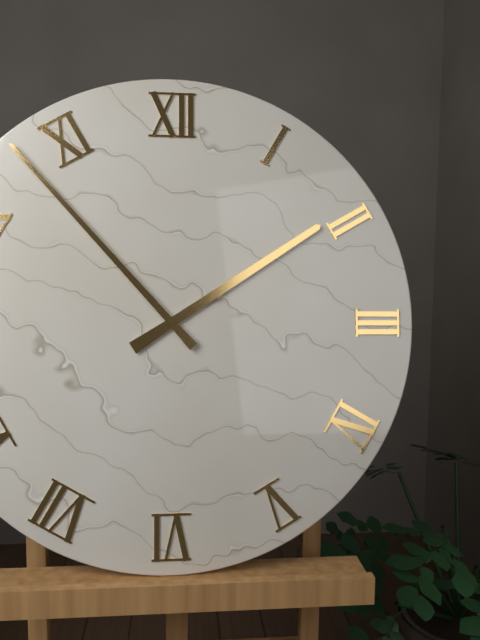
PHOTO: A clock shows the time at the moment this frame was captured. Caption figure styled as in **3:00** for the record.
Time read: **1:53**
